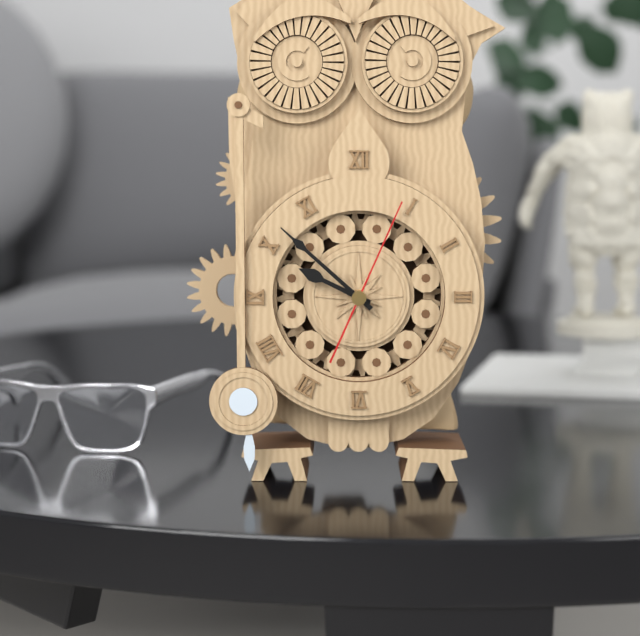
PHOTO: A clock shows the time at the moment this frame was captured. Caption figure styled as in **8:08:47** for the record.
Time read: **9:52:04**
